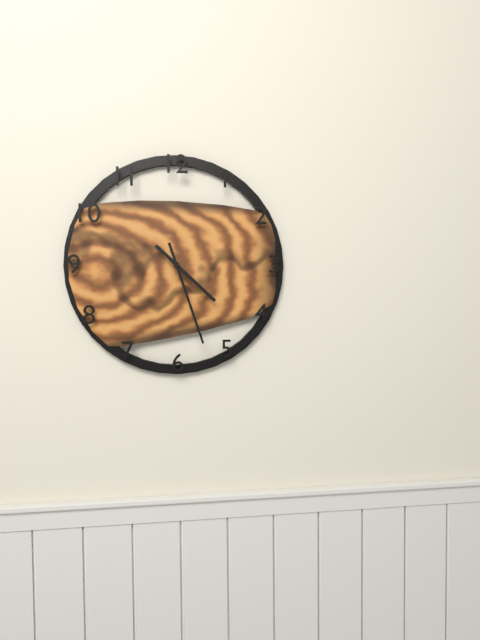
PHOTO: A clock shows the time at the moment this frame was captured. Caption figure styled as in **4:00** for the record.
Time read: **4:27**
